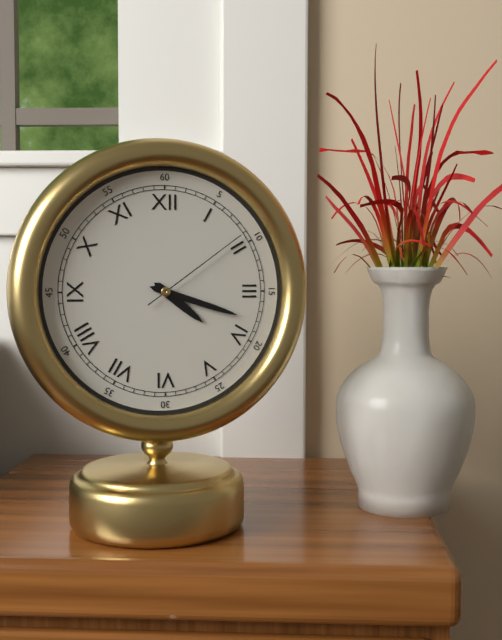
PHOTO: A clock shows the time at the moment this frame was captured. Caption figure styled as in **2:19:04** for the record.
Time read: **4:18:09**
